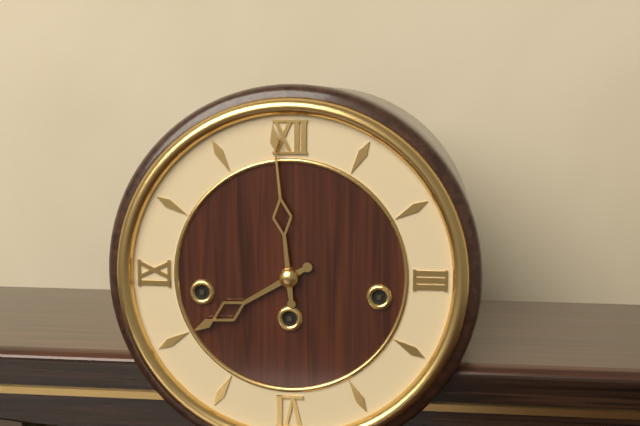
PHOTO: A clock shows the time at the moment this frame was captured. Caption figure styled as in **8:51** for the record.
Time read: **7:59**
